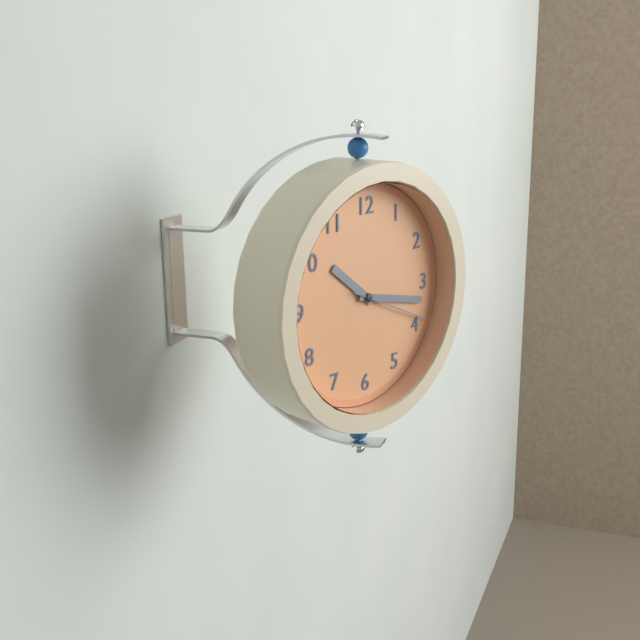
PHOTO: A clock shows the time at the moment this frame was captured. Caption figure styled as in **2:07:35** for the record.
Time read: **10:17:19**
